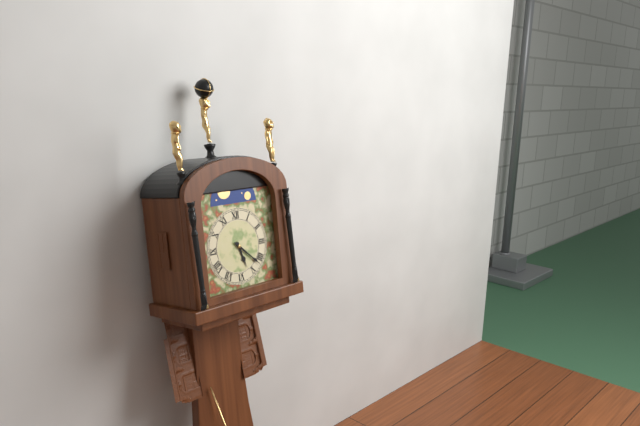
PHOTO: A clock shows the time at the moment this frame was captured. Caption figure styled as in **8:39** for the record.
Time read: **5:22**
